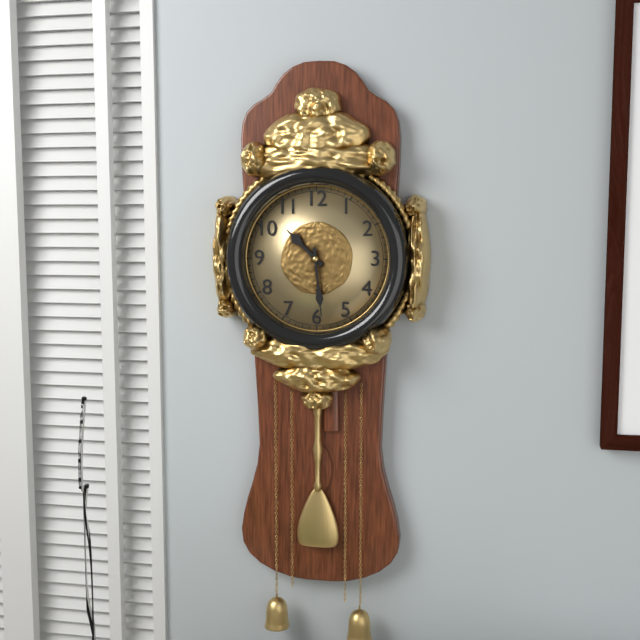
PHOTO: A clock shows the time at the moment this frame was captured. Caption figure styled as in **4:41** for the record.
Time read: **10:29**
